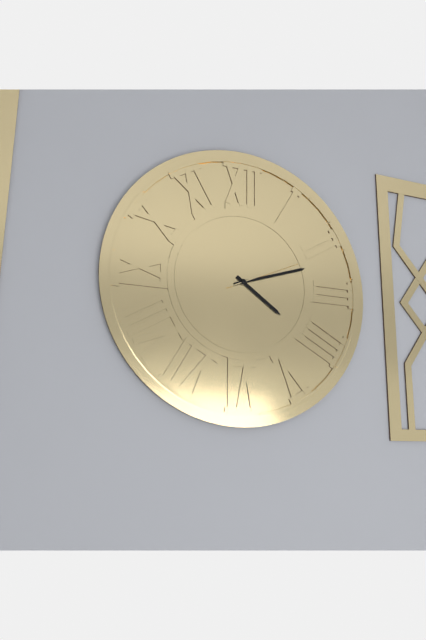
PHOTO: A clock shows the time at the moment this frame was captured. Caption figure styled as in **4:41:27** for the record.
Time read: **4:12:11**
